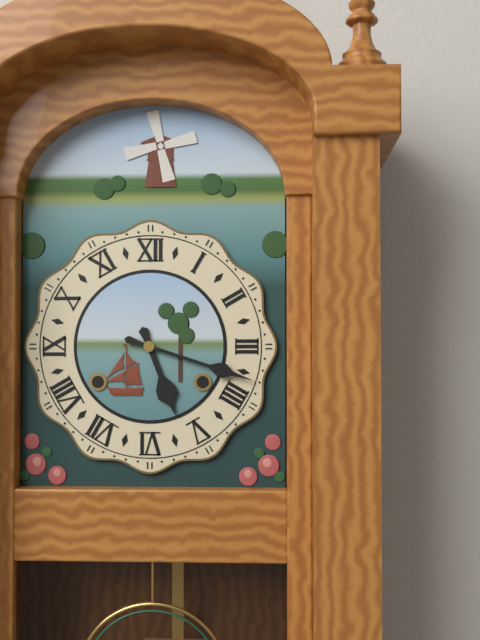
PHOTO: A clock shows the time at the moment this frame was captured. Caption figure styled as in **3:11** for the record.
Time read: **5:18**
